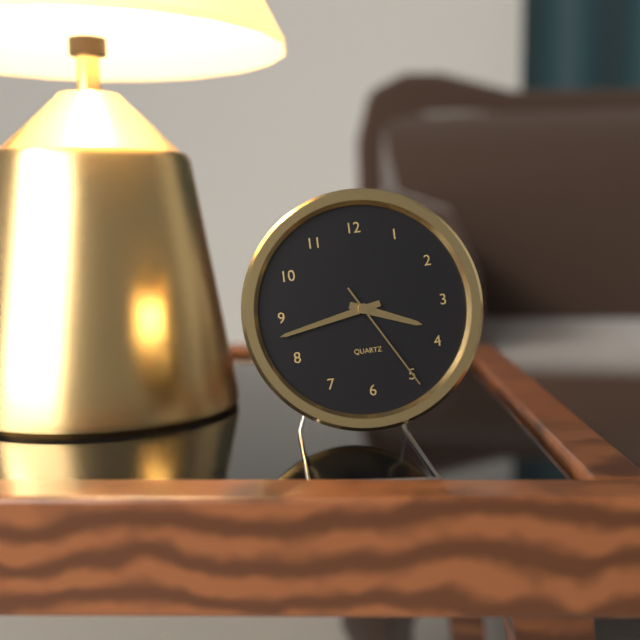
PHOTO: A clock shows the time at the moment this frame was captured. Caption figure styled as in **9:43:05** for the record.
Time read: **3:43:25**
